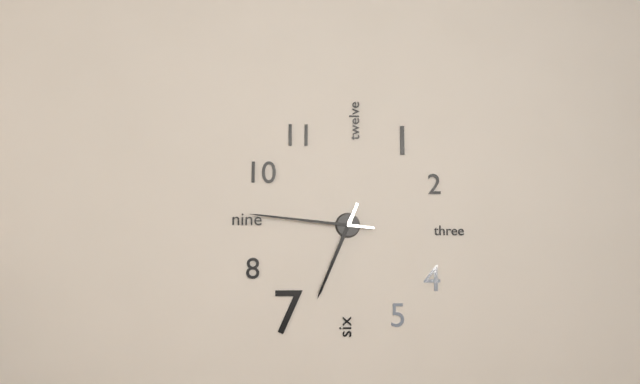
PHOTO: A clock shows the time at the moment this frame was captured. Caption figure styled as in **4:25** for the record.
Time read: **6:46**
